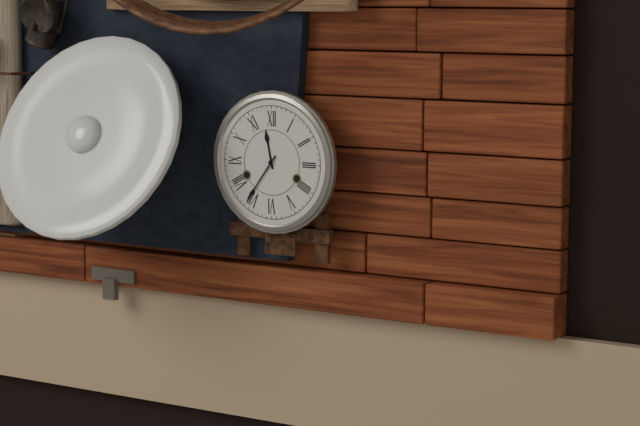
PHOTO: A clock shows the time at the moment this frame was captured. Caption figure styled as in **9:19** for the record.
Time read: **11:36**
